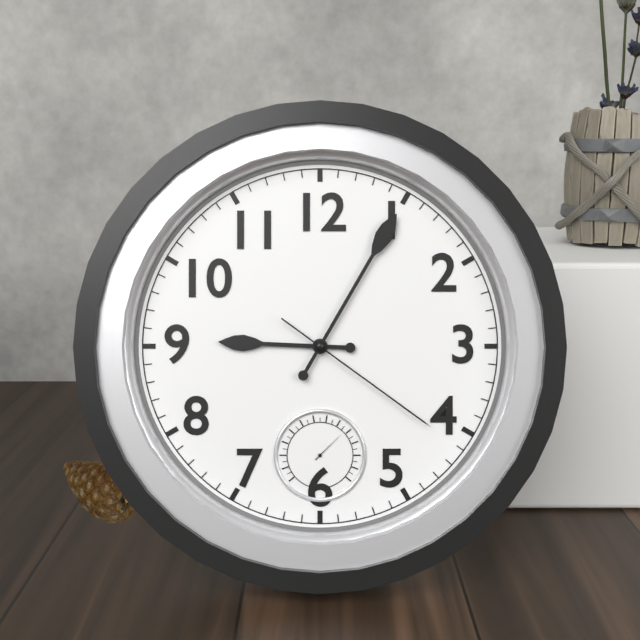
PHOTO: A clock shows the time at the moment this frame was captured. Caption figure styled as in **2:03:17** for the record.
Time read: **9:05:21**
